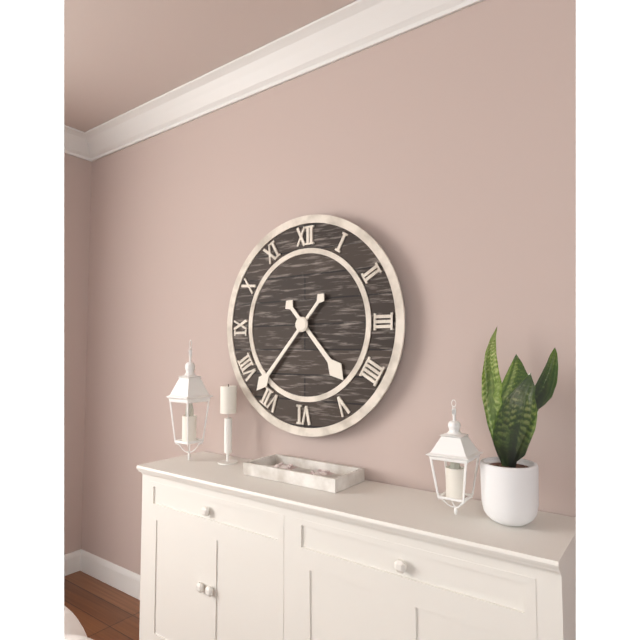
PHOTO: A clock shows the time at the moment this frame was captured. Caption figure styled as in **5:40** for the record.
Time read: **4:37**
